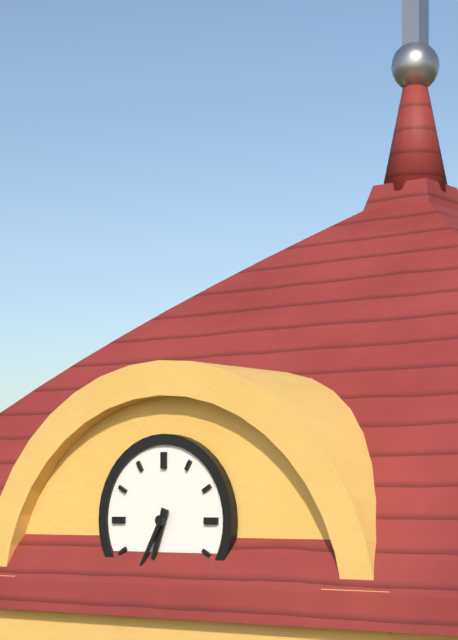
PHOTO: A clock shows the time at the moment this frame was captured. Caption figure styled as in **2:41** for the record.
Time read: **6:35**
